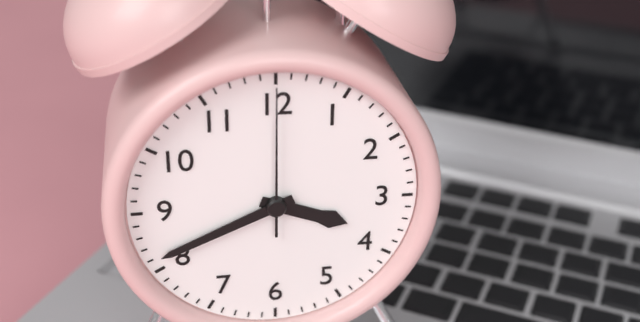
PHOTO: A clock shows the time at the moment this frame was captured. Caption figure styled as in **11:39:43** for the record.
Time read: **3:41:00**
